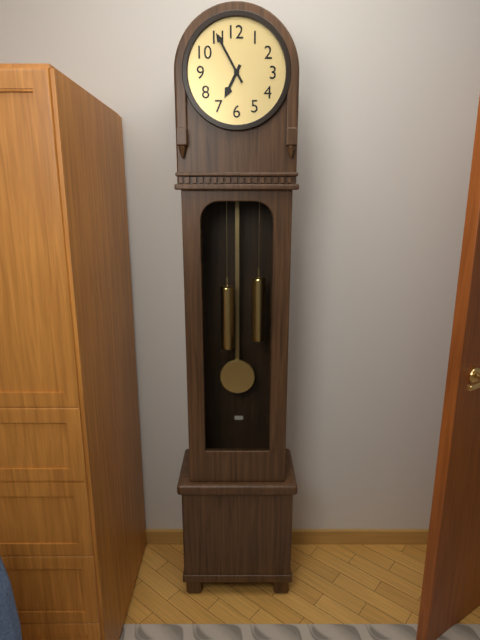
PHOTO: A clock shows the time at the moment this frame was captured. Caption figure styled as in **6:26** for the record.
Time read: **6:55**
